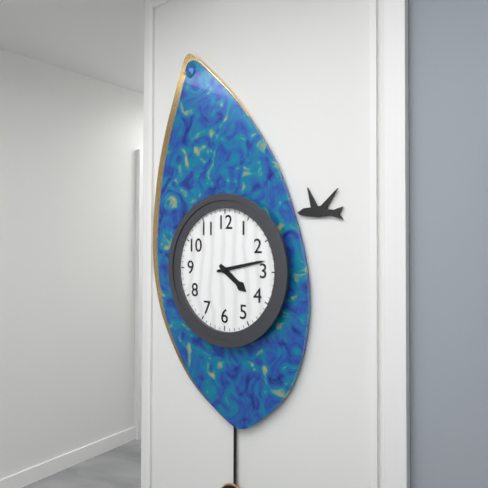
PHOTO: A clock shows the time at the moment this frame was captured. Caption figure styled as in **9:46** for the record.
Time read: **4:13**
